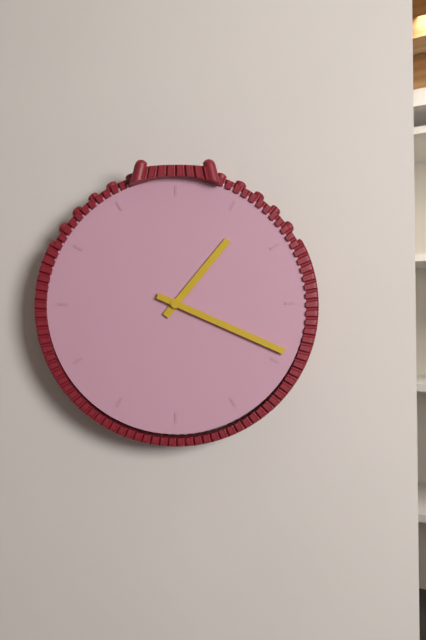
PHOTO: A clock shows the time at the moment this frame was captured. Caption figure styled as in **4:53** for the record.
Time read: **1:19**
